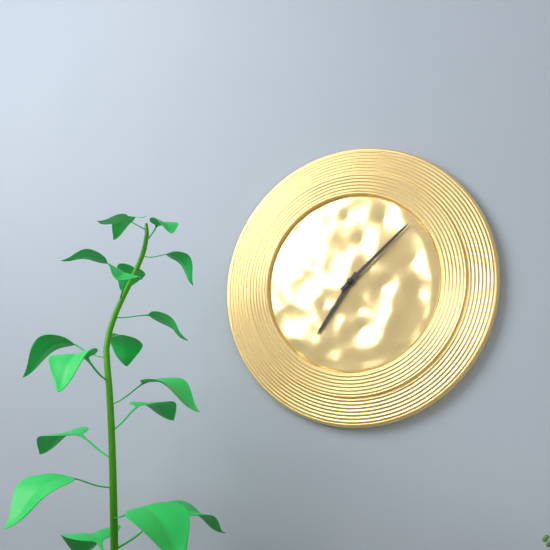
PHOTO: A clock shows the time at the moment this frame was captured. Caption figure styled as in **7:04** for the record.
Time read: **7:08**
